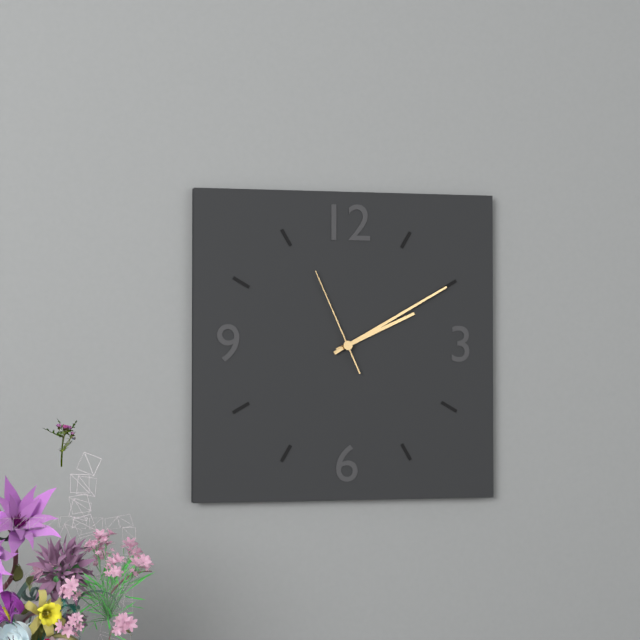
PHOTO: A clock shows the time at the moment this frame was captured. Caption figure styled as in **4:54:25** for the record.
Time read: **2:10:56**
